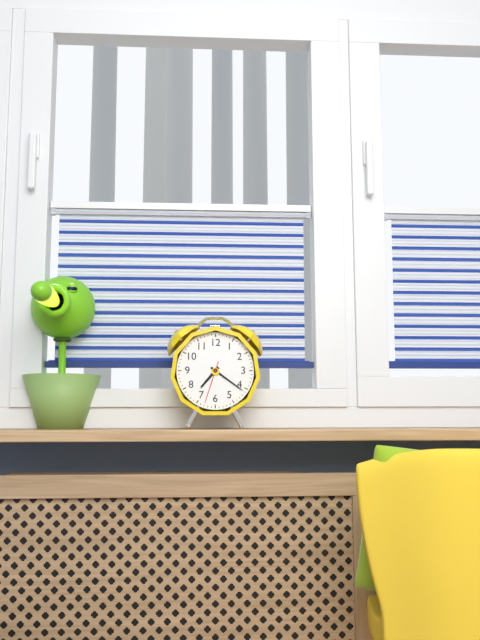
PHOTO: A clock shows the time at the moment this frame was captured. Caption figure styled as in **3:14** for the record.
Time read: **7:21**
